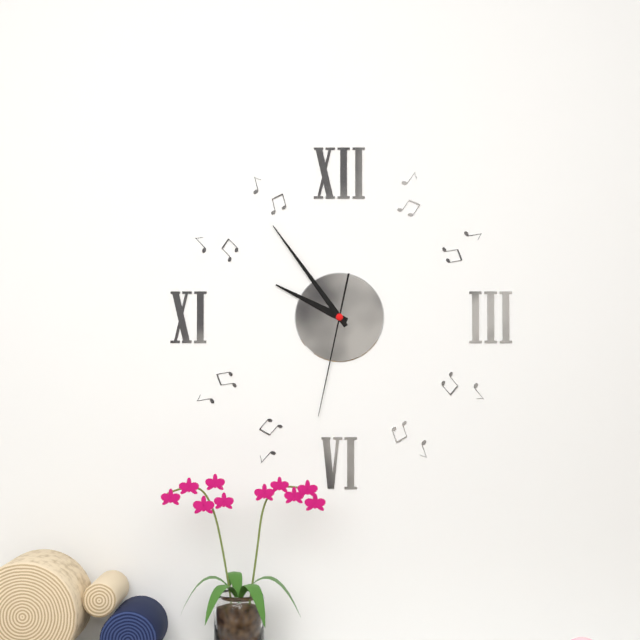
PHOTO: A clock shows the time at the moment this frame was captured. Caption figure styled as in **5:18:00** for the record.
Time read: **9:54:32**
